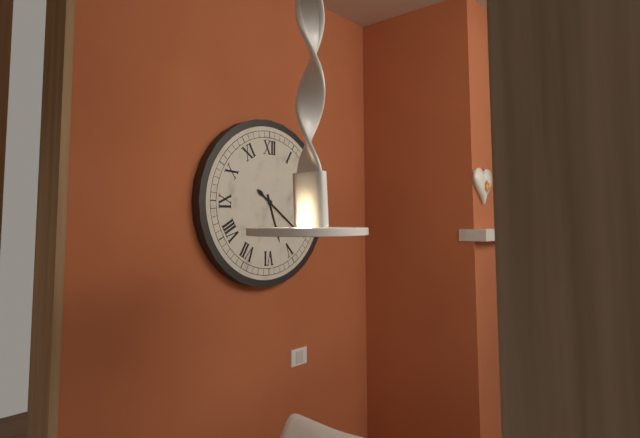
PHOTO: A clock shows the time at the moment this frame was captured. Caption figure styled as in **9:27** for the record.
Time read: **5:21**
